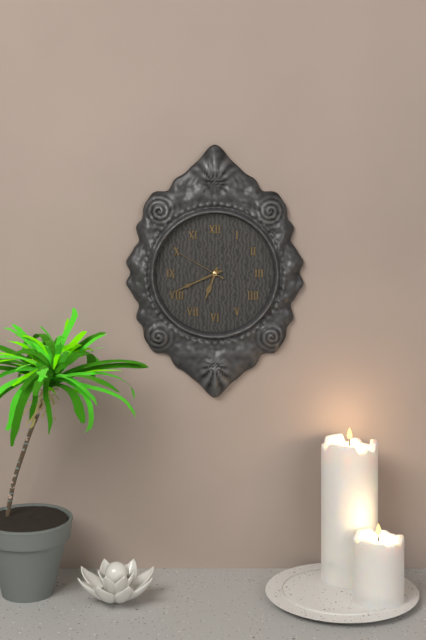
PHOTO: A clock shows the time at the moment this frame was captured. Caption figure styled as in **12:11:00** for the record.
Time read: **6:41:50**
